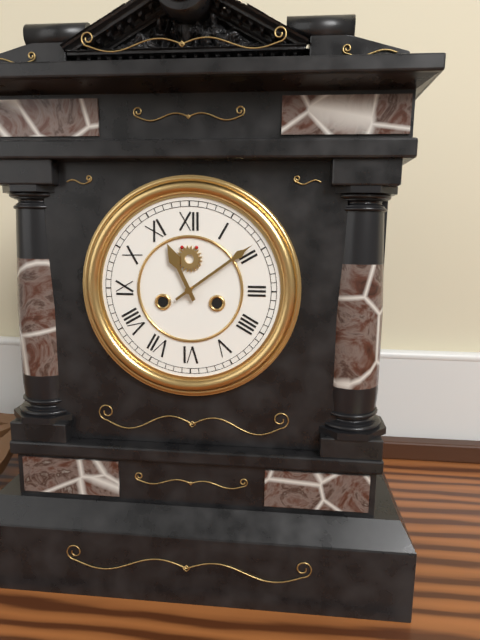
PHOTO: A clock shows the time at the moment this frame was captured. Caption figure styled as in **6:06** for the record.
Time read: **11:09**
